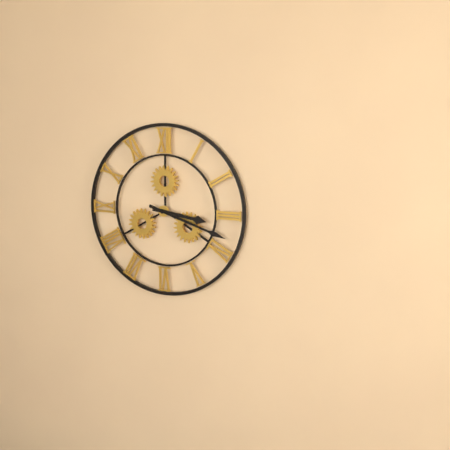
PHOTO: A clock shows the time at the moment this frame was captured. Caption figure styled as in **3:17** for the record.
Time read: **3:18**
